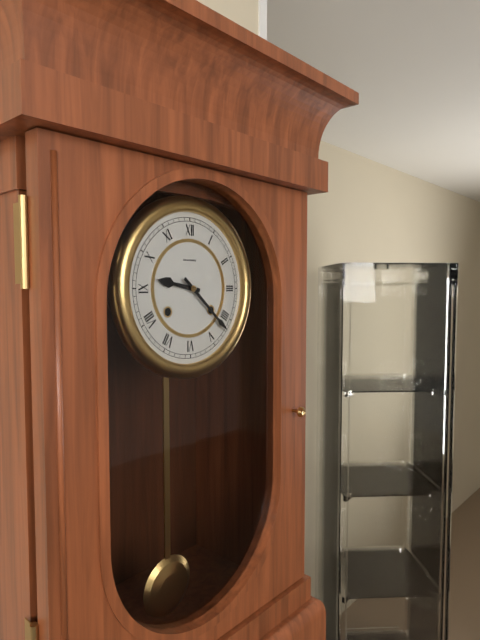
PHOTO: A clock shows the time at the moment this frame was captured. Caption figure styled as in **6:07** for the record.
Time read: **9:22**
